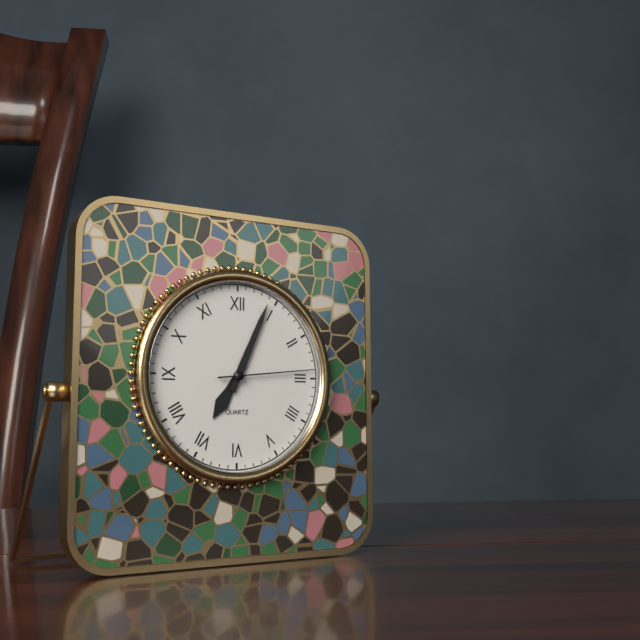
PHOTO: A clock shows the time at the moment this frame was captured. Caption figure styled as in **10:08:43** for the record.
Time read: **7:04:14**
